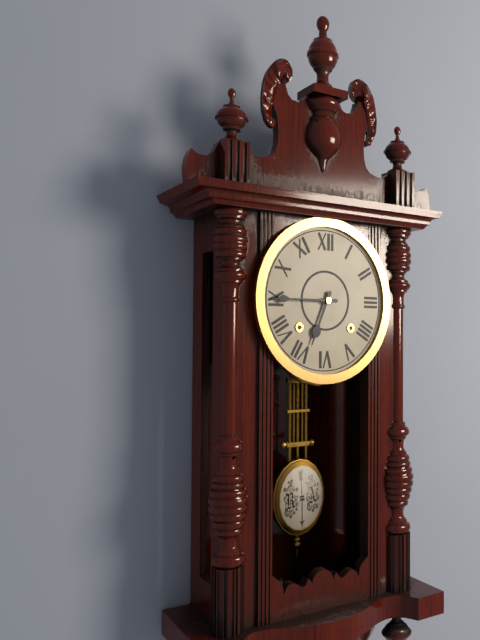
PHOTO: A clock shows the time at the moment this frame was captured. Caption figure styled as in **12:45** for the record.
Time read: **6:45**
